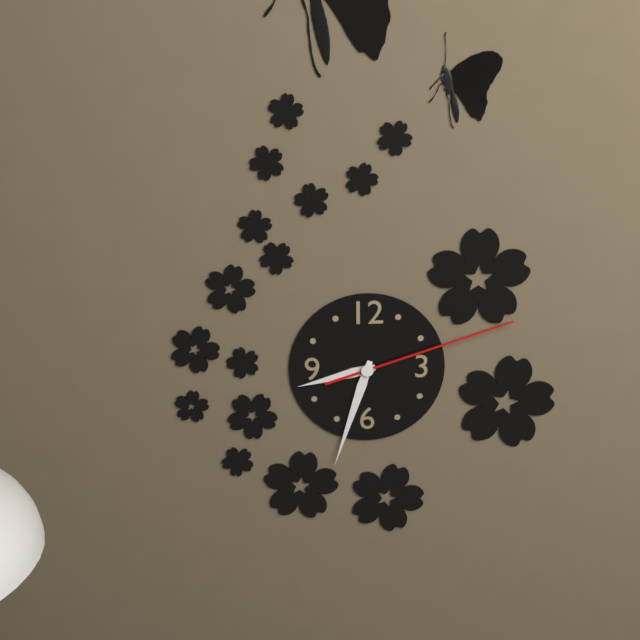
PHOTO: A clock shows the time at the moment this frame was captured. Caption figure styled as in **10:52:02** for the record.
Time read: **8:33:12**
